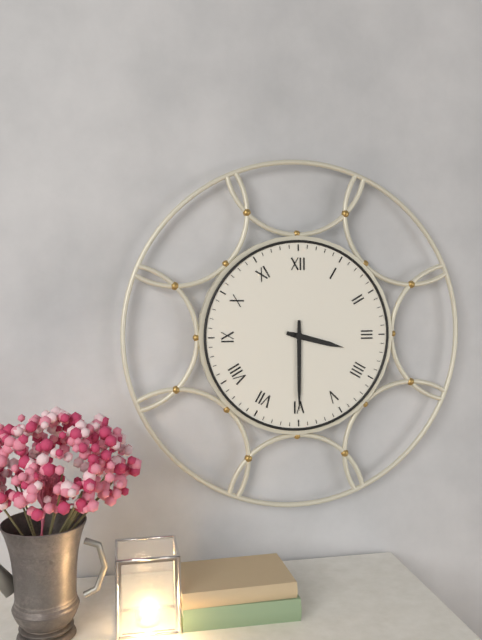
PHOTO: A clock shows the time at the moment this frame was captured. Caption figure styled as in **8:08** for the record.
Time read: **3:30**
